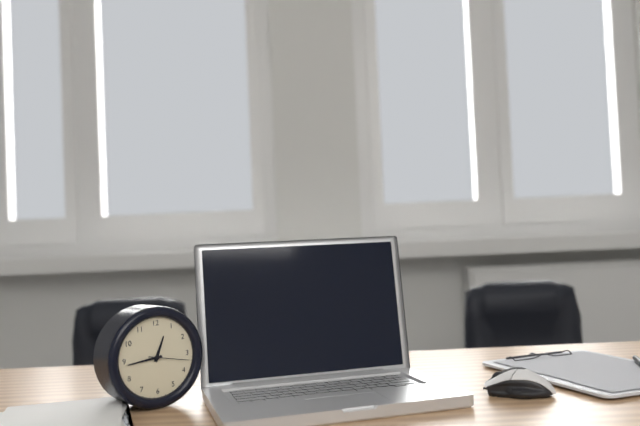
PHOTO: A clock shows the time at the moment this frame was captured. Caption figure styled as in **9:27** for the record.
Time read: **12:44**
